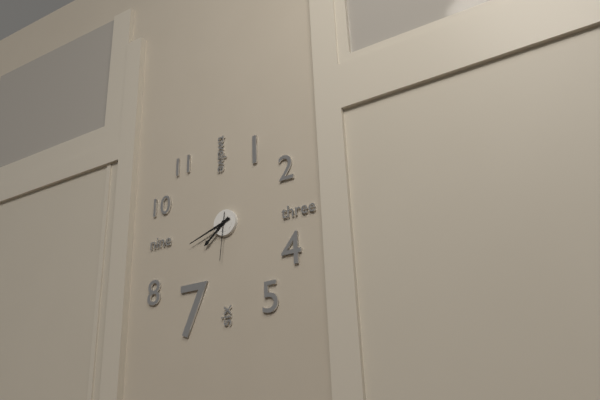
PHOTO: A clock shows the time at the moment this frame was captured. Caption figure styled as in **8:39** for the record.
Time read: **7:42**
